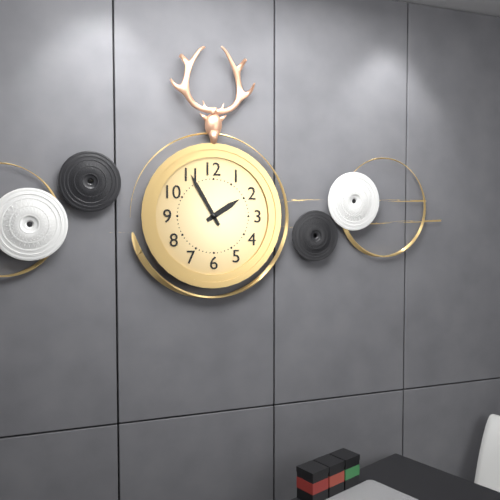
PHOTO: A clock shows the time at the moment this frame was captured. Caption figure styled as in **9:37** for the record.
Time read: **1:55**
